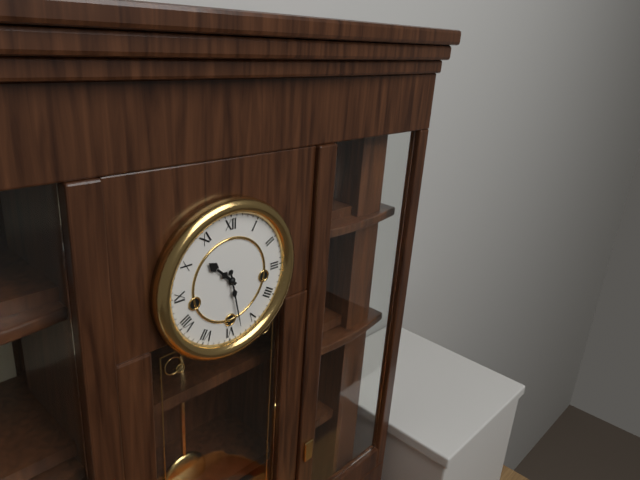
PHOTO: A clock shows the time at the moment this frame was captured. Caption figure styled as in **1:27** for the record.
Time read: **10:28**
